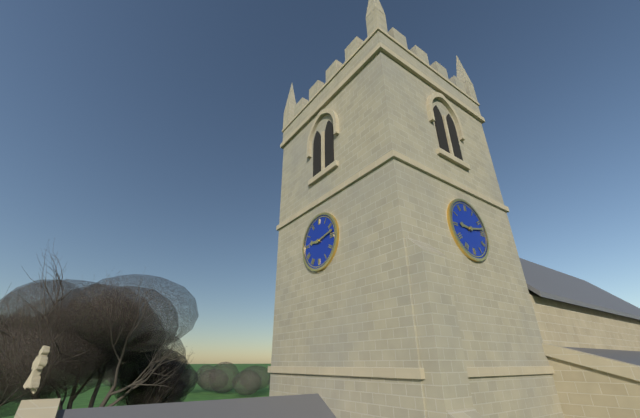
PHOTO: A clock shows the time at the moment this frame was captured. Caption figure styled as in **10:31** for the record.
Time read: **9:13**
